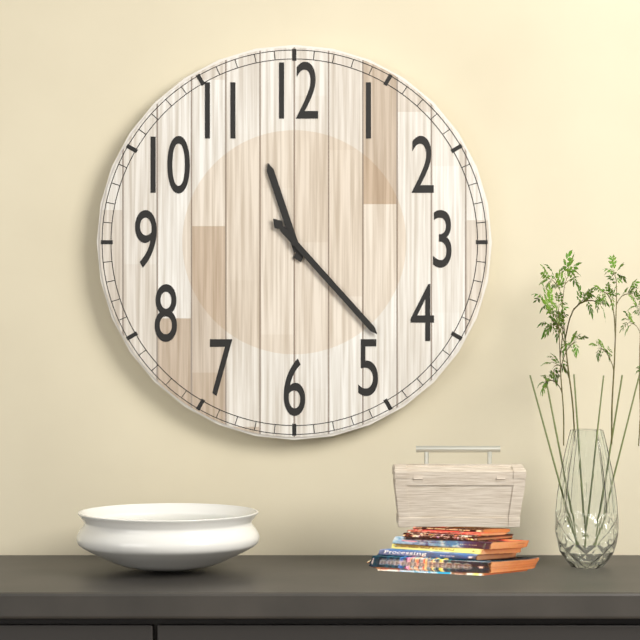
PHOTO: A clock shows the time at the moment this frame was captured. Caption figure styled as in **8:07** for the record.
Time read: **11:23**
